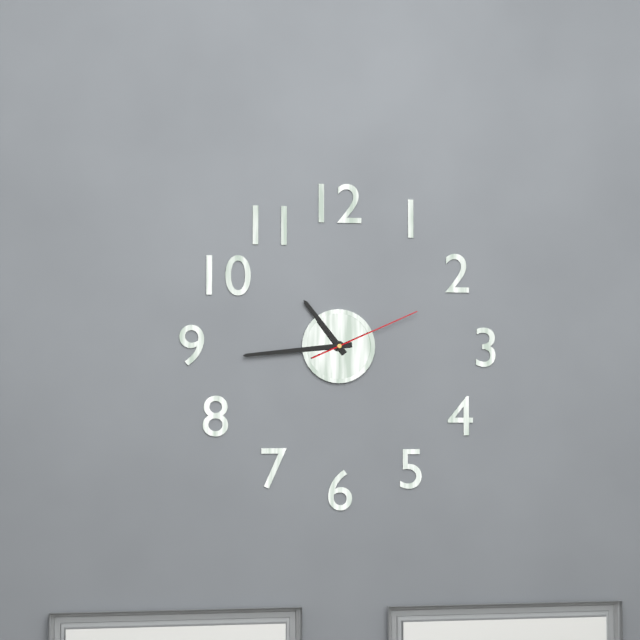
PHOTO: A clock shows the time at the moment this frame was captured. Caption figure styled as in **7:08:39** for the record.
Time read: **10:44:11**
